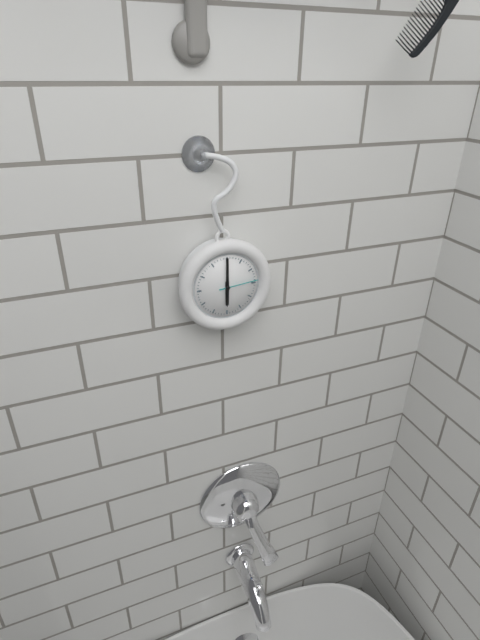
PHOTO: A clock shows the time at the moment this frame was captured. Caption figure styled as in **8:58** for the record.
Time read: **6:00**
